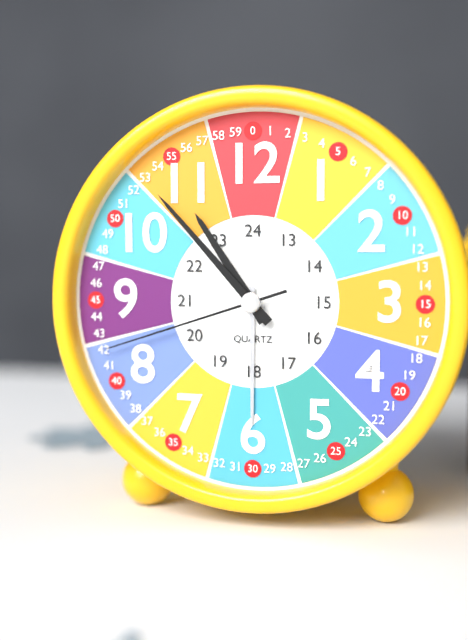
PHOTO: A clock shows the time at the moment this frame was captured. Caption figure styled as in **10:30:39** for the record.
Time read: **10:53:42**
